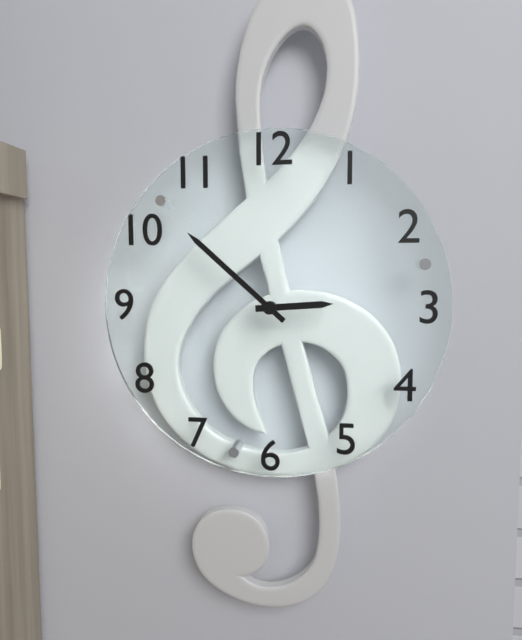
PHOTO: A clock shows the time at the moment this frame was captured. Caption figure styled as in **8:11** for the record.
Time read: **2:52**
